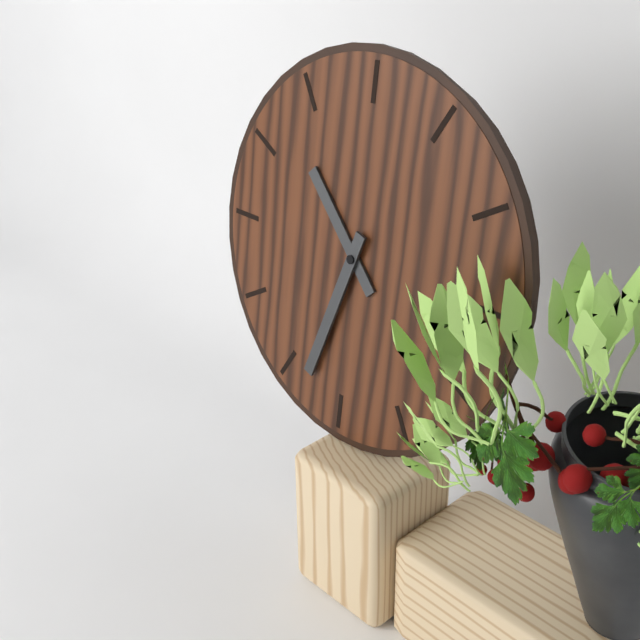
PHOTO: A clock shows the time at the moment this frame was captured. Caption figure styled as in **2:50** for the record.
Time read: **10:33**
